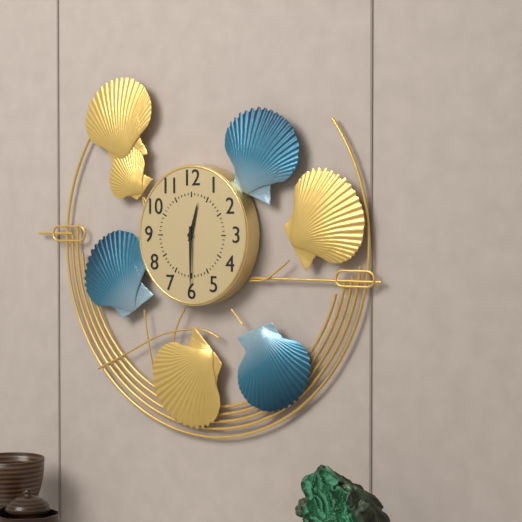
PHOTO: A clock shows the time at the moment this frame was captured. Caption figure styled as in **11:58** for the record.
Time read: **12:30**
